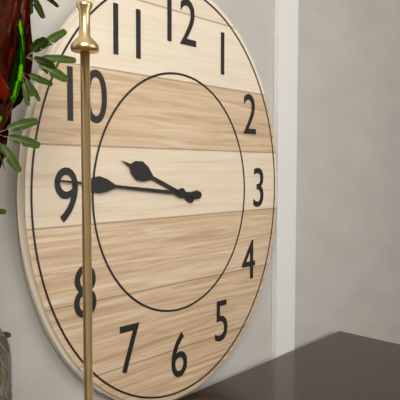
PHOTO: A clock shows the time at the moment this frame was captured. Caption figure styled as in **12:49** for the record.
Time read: **9:46**
